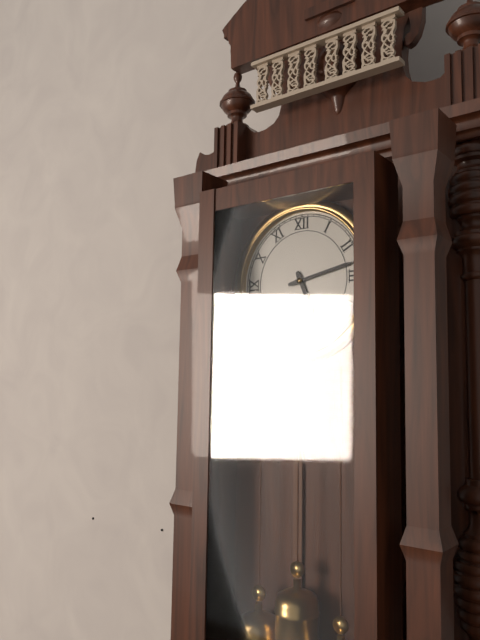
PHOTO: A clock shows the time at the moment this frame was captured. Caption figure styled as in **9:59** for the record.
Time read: **5:13**
